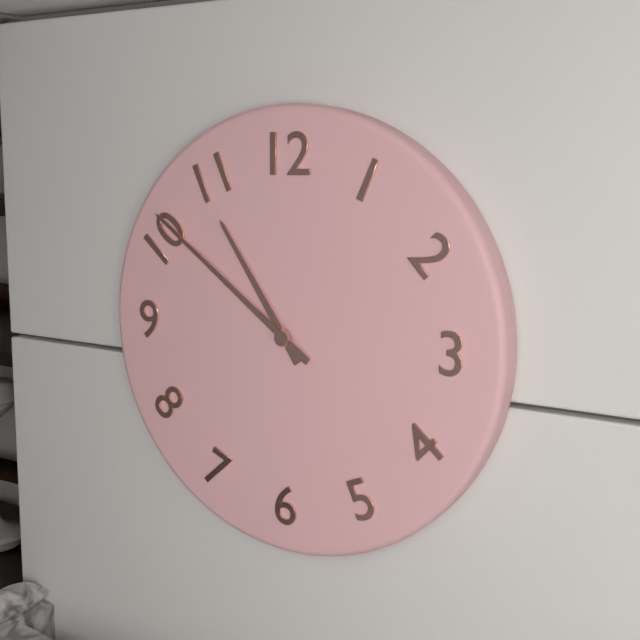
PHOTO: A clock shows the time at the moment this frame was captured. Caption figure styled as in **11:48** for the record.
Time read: **10:51**
